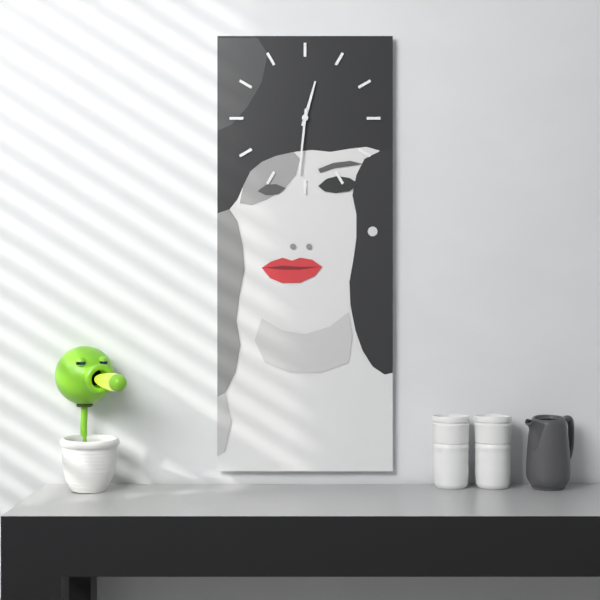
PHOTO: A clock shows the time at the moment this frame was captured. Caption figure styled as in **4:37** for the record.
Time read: **12:31**
